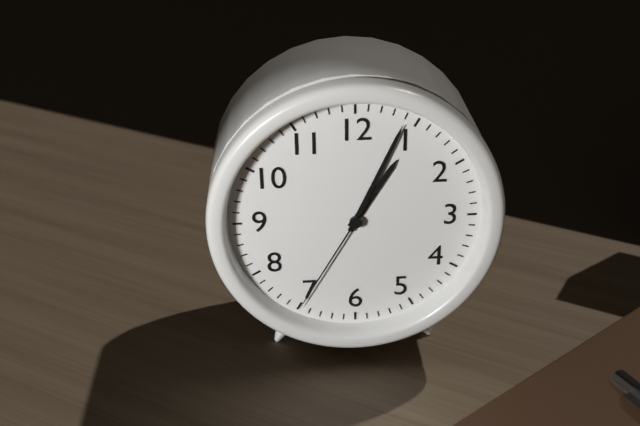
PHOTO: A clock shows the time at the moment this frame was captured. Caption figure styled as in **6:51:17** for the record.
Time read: **1:04:35**
